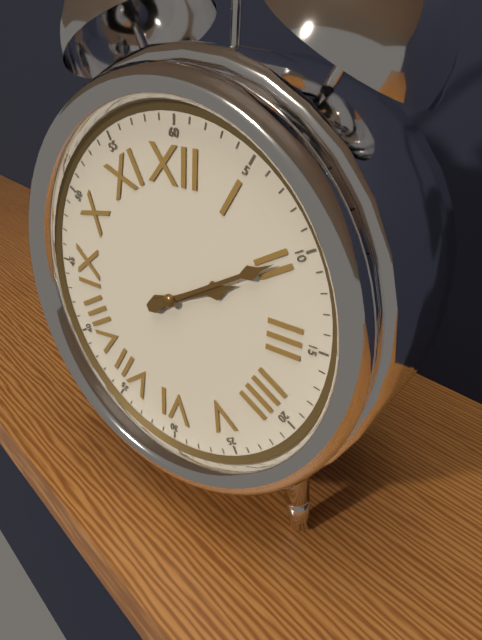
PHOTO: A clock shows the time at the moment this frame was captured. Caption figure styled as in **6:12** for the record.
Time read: **2:10**
